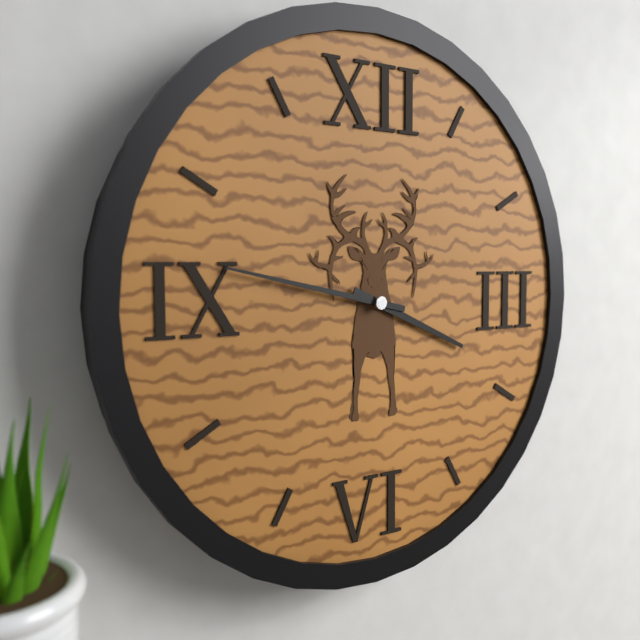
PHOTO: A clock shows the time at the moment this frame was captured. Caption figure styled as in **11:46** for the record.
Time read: **3:47**
